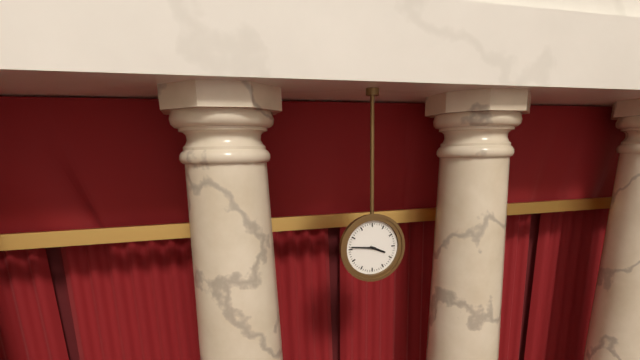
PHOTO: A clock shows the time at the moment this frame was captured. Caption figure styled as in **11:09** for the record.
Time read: **3:46**
